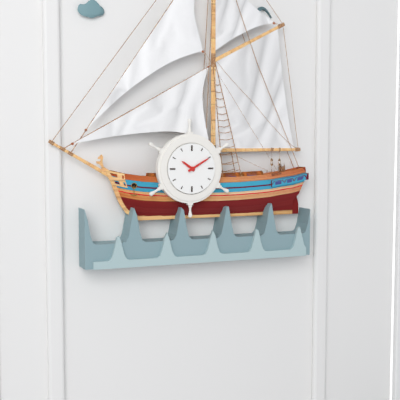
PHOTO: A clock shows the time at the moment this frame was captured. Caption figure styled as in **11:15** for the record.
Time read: **10:10**
